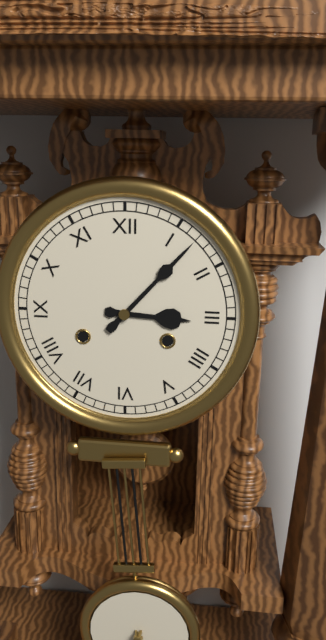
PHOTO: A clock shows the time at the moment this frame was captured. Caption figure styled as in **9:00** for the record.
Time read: **3:07**
